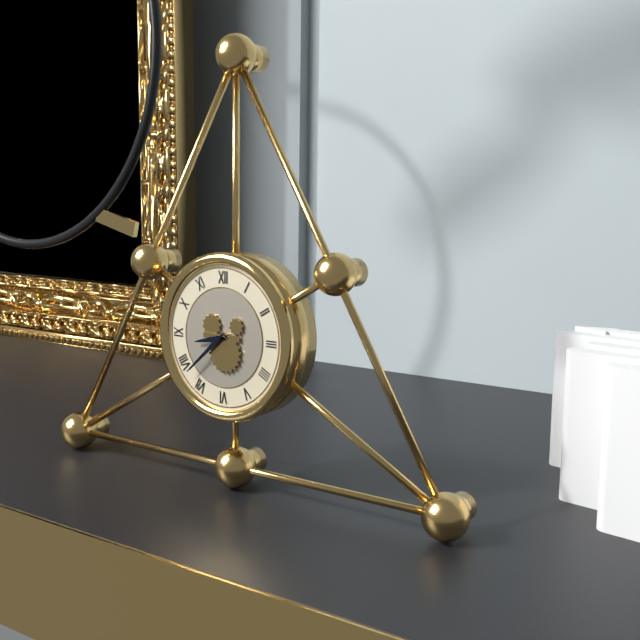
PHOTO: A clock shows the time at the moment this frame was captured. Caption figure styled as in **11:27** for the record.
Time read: **8:38**
